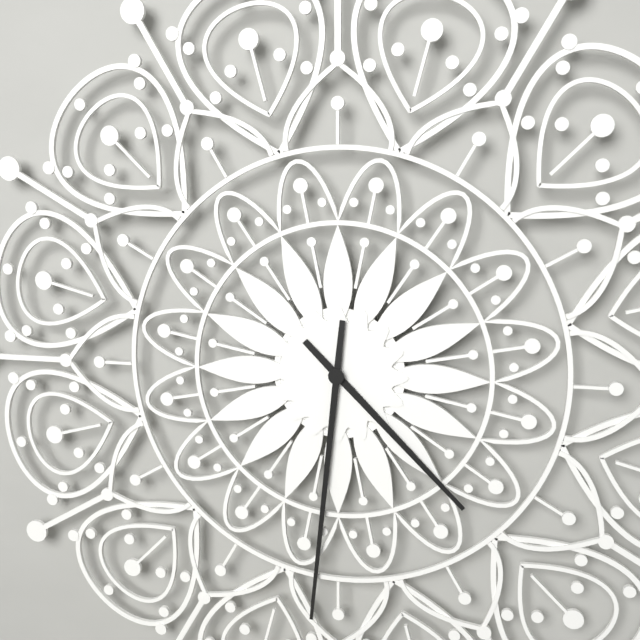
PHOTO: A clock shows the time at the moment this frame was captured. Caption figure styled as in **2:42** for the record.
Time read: **4:31**
